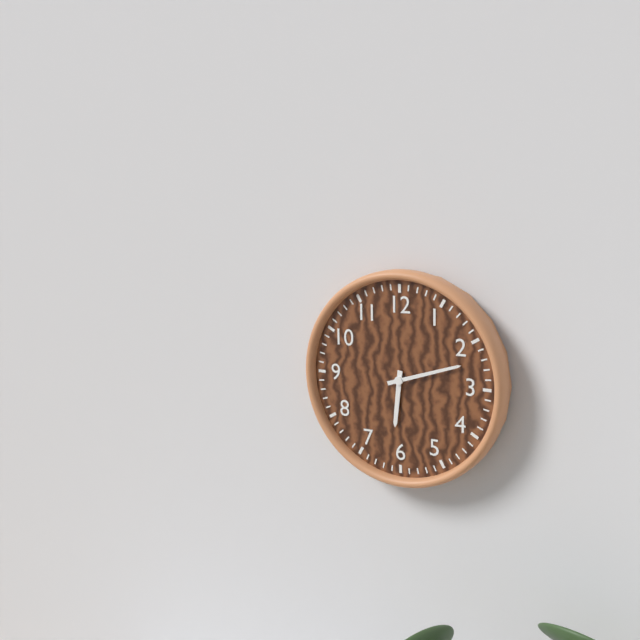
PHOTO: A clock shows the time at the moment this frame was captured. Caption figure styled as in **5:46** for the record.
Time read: **6:12**
